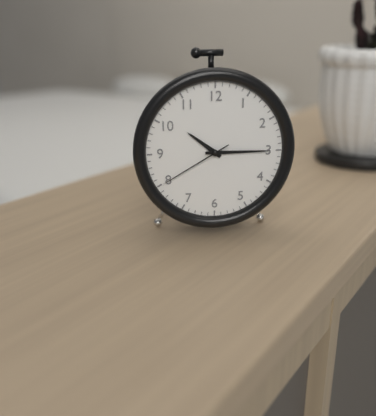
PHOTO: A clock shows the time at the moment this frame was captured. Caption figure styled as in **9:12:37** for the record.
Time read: **10:15:40**
